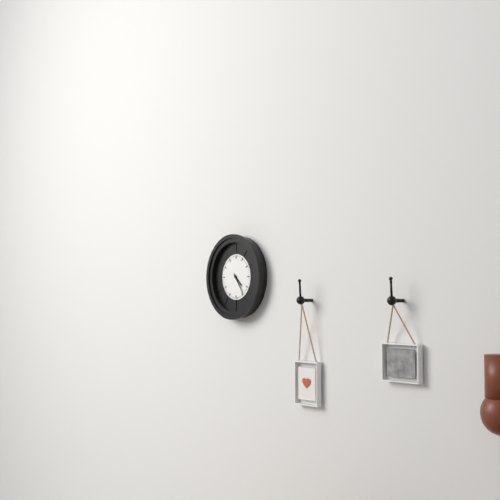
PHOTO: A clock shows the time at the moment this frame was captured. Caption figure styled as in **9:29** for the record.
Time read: **4:24**
